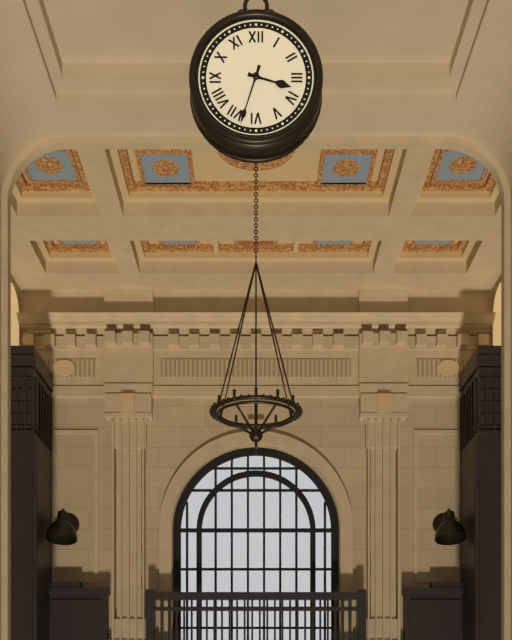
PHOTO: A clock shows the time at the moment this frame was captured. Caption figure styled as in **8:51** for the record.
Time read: **3:33**
